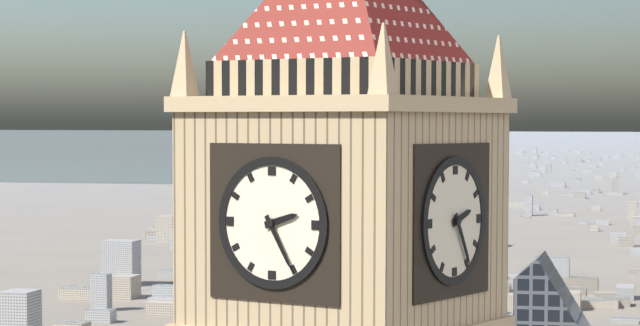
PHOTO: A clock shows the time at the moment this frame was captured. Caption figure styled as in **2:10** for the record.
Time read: **2:25**
